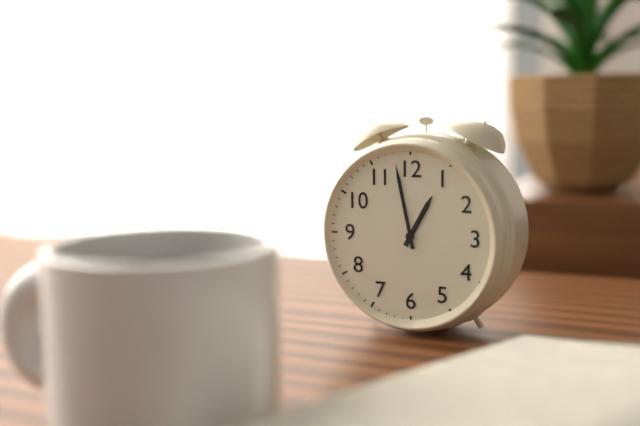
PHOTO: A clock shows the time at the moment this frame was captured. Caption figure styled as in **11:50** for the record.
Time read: **12:58**
